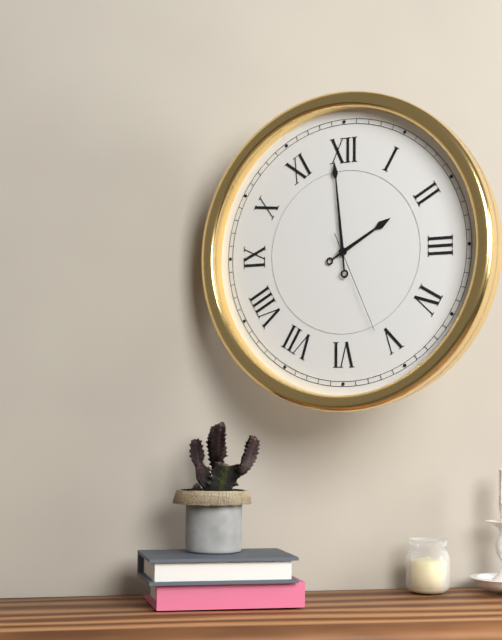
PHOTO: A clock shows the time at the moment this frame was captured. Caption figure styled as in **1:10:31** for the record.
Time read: **1:59:26**
